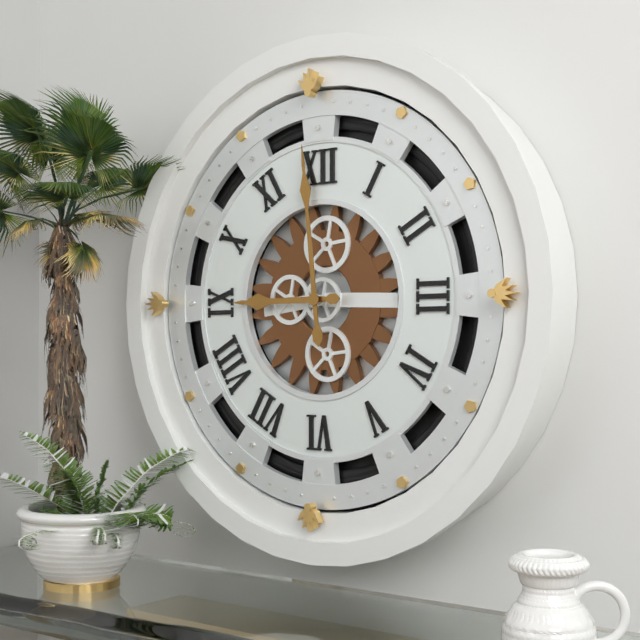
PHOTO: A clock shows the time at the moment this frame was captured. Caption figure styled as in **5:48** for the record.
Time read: **8:59**
